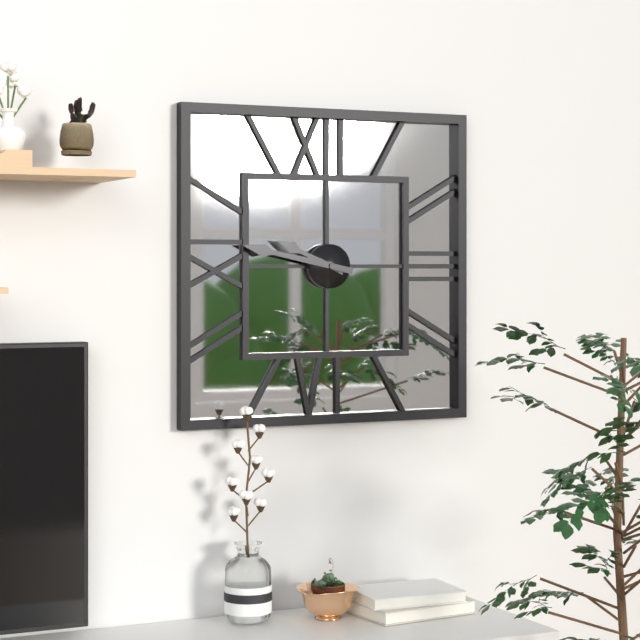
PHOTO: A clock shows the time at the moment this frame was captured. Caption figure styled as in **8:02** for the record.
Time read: **9:47**
